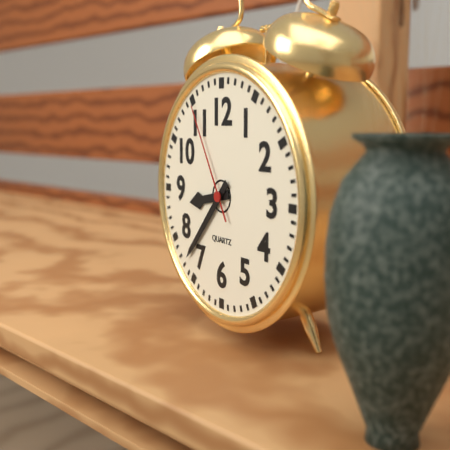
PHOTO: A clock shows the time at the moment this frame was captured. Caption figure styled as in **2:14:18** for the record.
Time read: **8:37:55**
